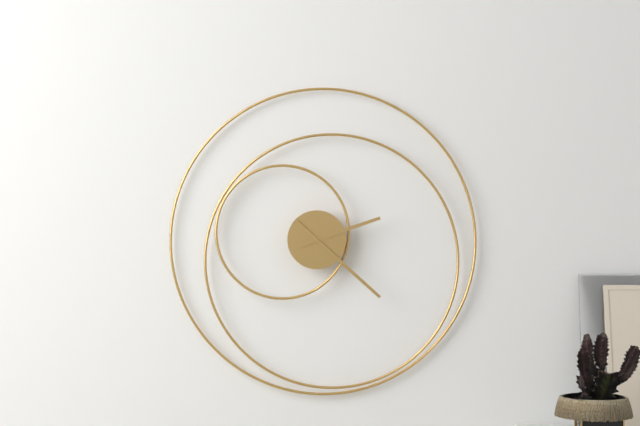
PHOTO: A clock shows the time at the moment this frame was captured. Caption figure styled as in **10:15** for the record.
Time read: **2:22**
